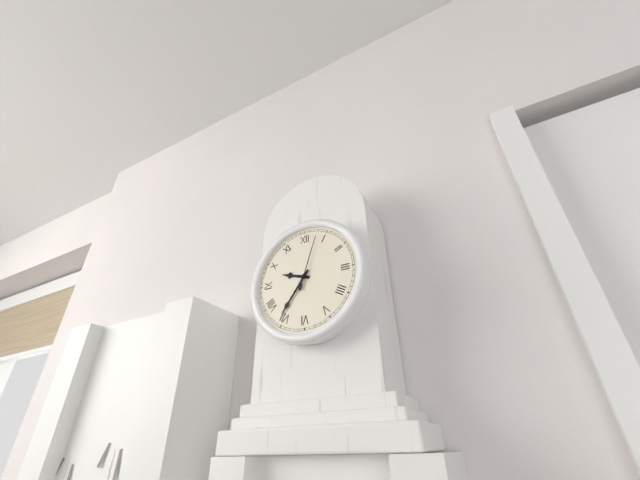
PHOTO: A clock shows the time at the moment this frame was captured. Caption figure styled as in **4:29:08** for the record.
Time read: **9:36:03**
